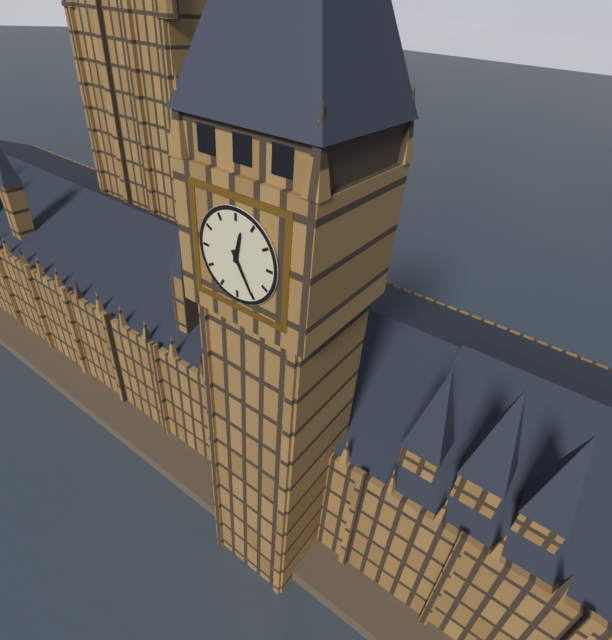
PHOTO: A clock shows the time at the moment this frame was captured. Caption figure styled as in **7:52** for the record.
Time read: **12:25**
